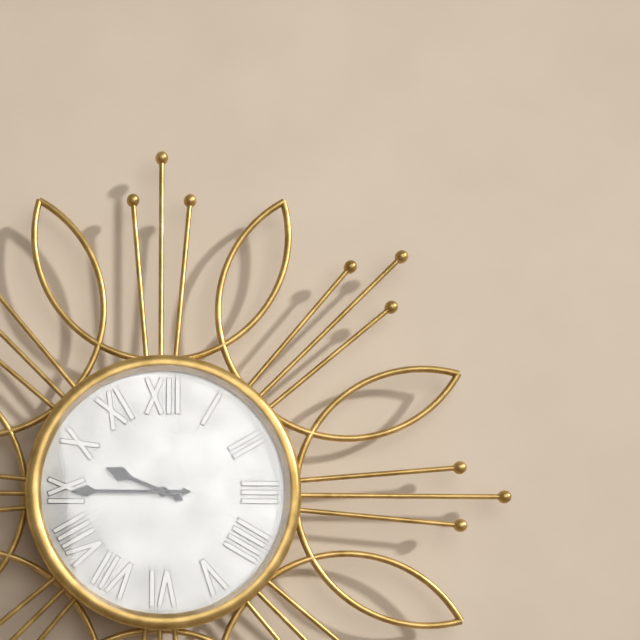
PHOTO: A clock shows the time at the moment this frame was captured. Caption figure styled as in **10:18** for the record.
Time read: **9:45**
